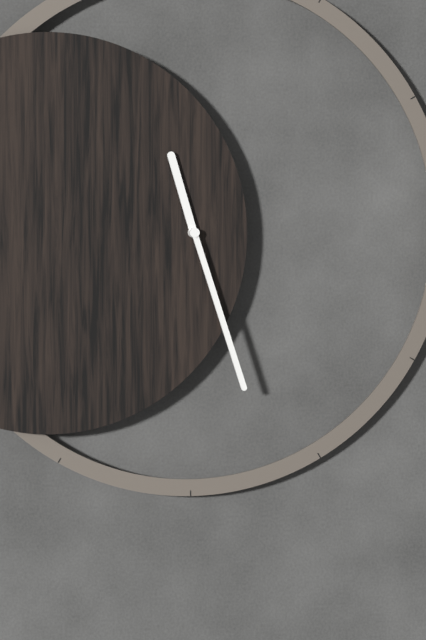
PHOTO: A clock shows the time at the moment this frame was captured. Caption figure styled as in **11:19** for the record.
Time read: **11:27**
